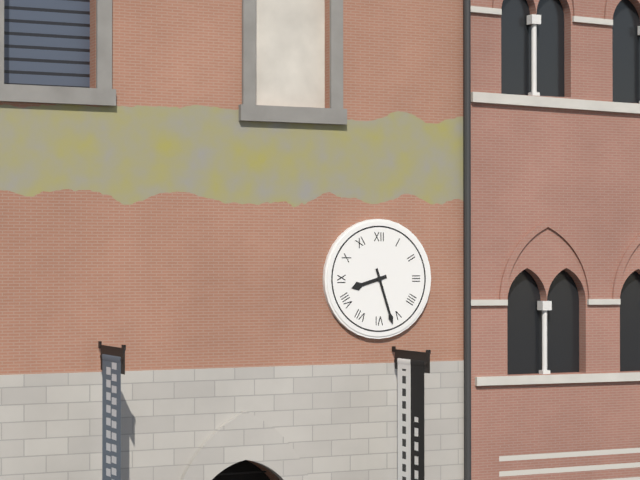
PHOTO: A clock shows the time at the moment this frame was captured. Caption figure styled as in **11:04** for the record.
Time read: **8:27**
